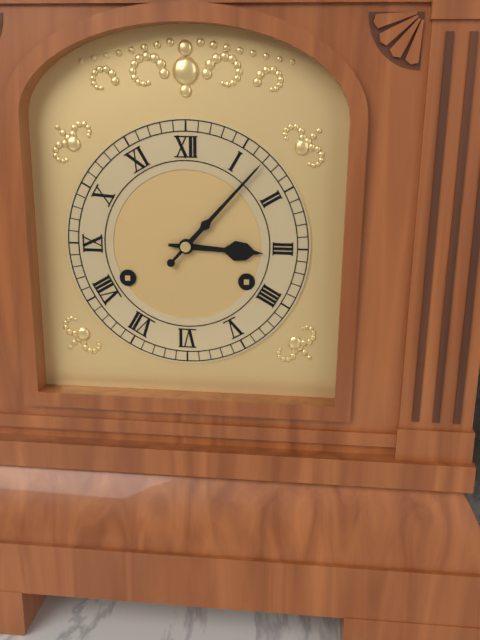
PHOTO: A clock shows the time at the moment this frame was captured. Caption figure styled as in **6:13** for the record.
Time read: **3:07**
